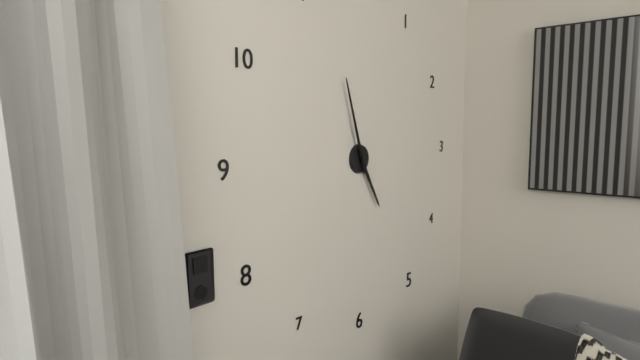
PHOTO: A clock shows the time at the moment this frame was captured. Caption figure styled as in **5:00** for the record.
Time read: **4:57**
